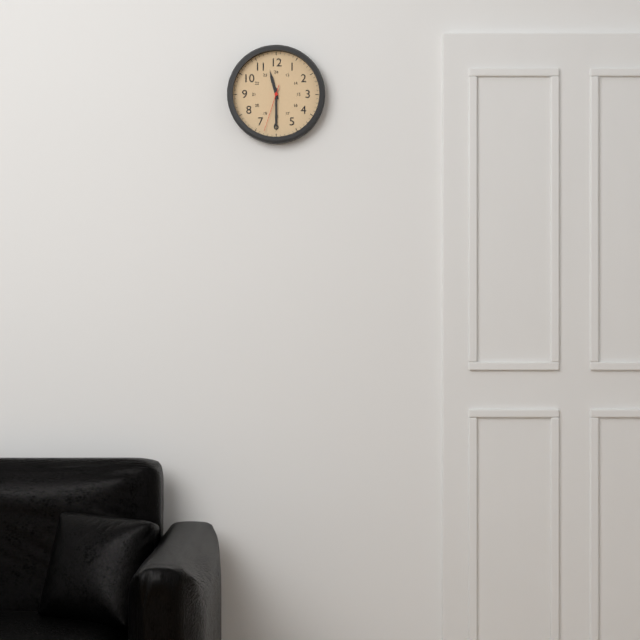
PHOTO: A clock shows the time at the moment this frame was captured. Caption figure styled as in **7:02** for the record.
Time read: **11:30**
